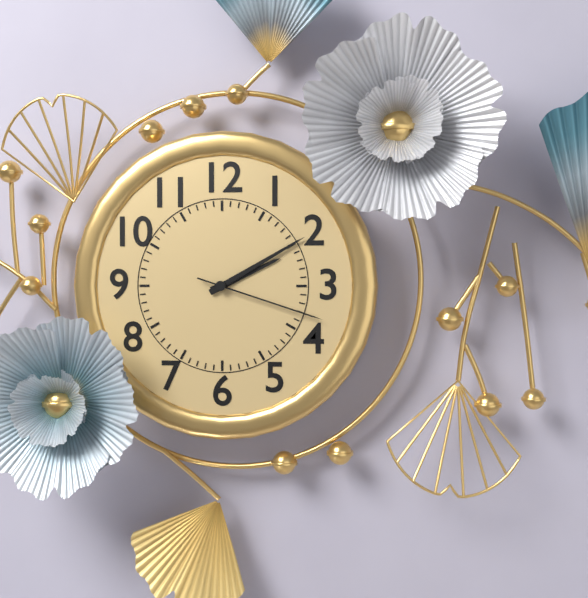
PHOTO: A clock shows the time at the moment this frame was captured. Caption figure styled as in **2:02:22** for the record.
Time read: **2:10:18**
